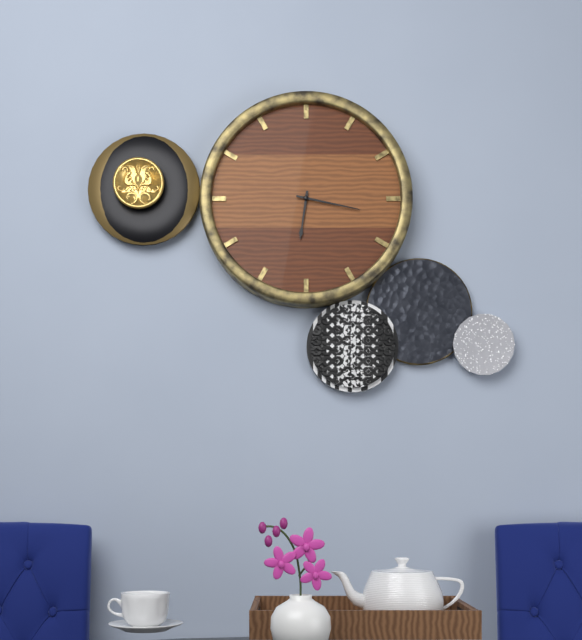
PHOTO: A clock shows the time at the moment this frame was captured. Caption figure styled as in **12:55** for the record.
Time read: **6:17**
